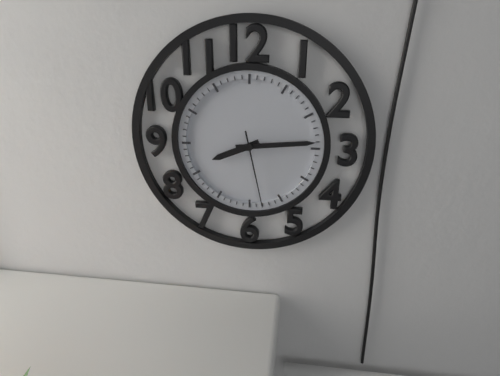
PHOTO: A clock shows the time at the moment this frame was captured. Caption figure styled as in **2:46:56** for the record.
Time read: **8:14:28**
